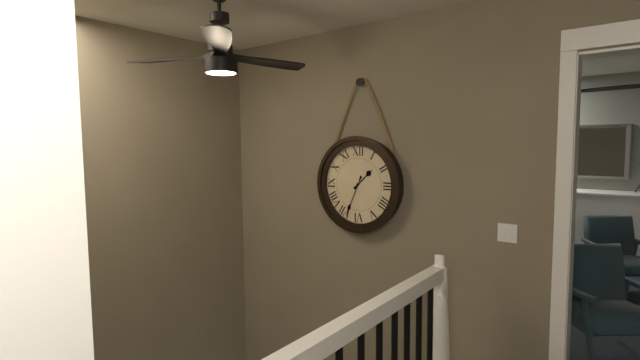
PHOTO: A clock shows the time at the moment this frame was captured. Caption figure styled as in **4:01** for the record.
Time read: **1:34**
